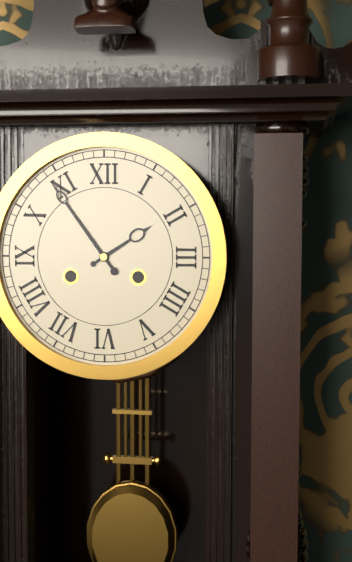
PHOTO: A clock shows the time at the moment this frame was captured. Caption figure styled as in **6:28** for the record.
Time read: **1:54**
